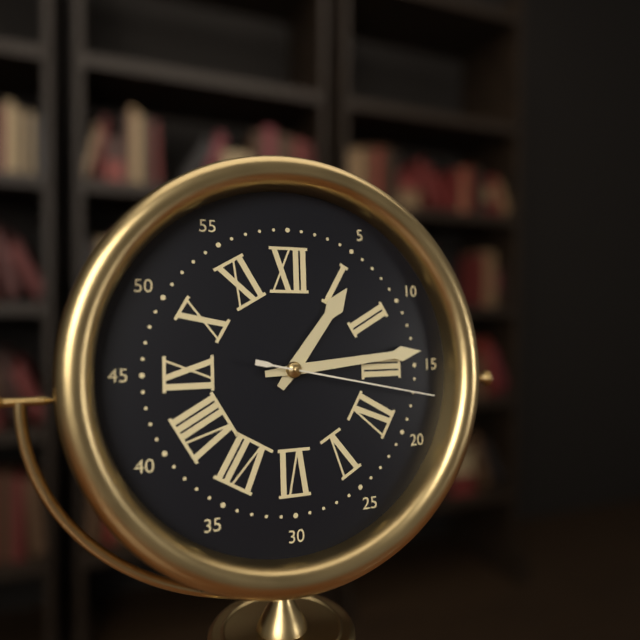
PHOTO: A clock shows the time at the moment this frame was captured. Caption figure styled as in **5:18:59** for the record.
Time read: **1:14:17**
